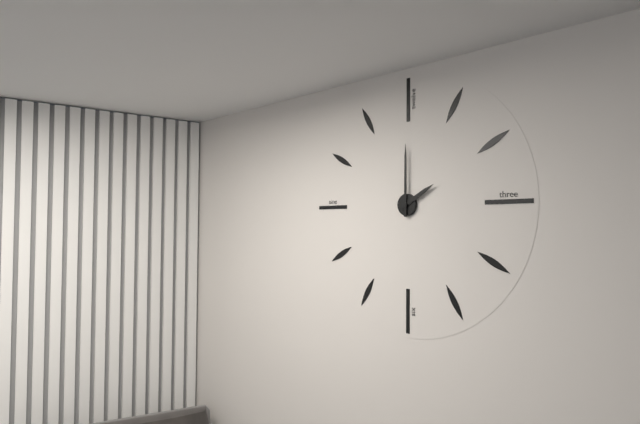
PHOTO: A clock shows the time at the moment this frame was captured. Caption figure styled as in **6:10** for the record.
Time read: **2:00**
